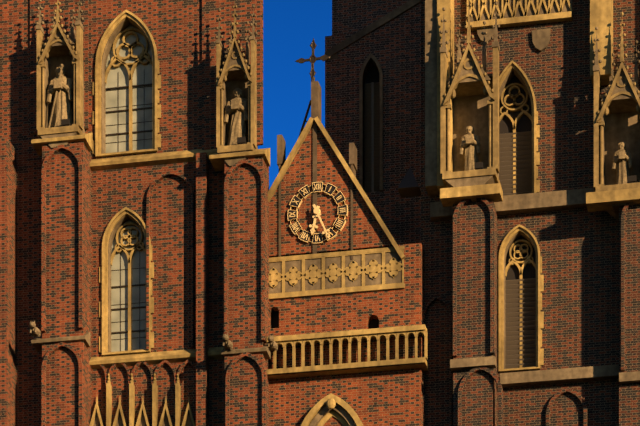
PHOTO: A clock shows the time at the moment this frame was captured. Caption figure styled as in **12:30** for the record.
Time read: **6:26**
